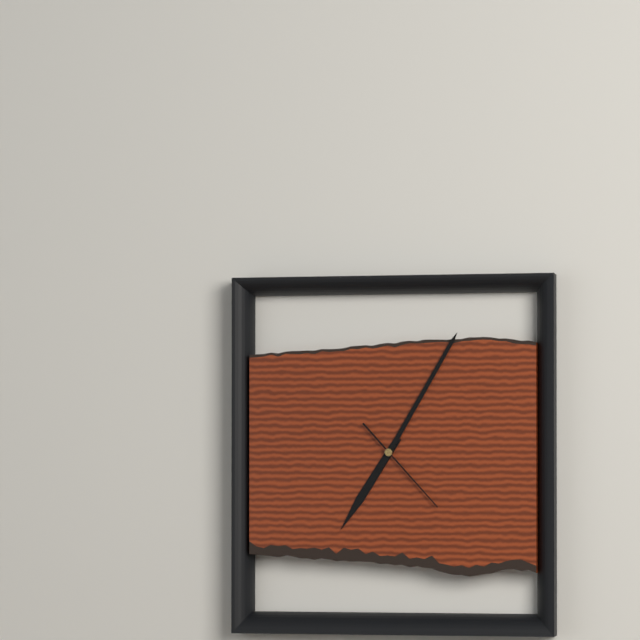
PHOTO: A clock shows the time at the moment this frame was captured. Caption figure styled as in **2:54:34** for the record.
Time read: **7:05:23**
